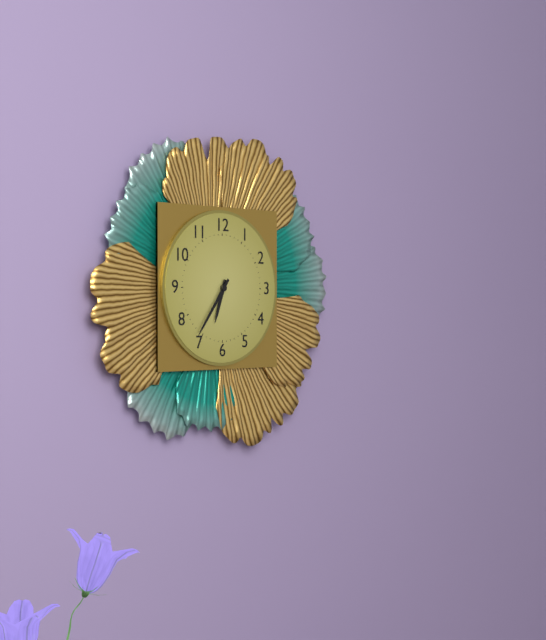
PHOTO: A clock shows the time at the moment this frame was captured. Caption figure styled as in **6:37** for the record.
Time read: **6:36**
